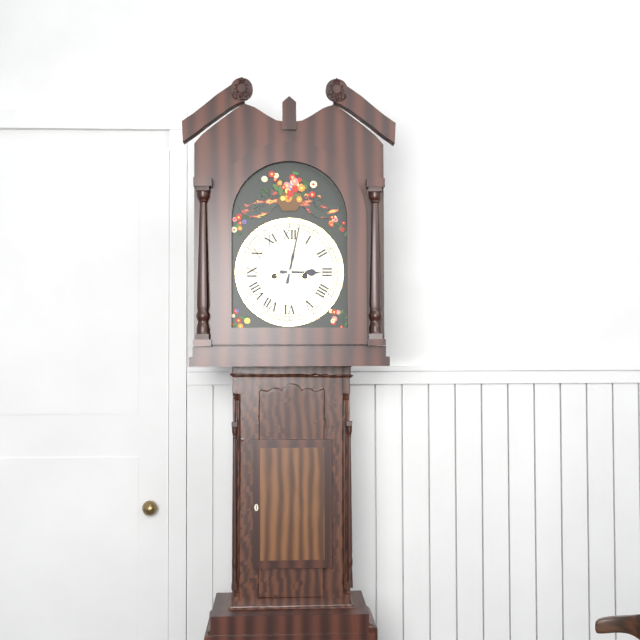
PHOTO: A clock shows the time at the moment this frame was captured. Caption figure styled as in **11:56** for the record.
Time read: **3:02**
